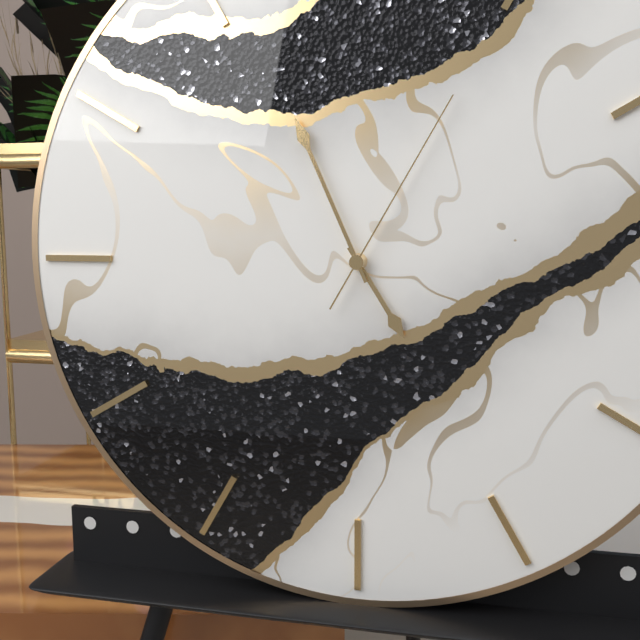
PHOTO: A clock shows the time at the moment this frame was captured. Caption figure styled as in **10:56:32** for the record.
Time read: **4:56:05**
